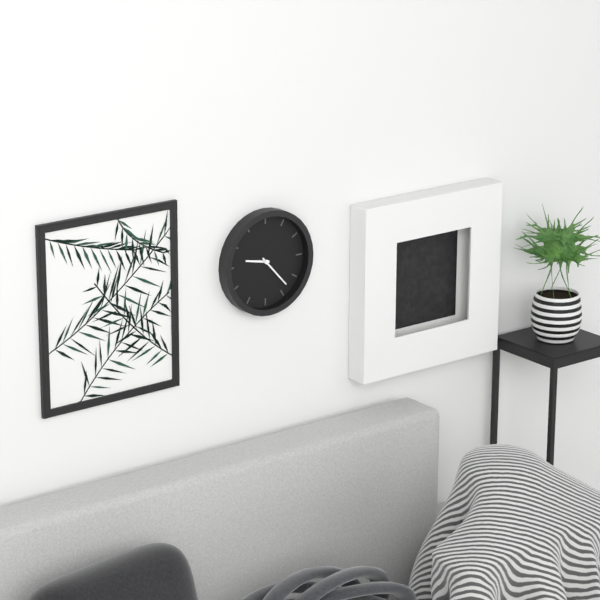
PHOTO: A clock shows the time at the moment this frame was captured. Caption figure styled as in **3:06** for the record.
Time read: **9:23**
